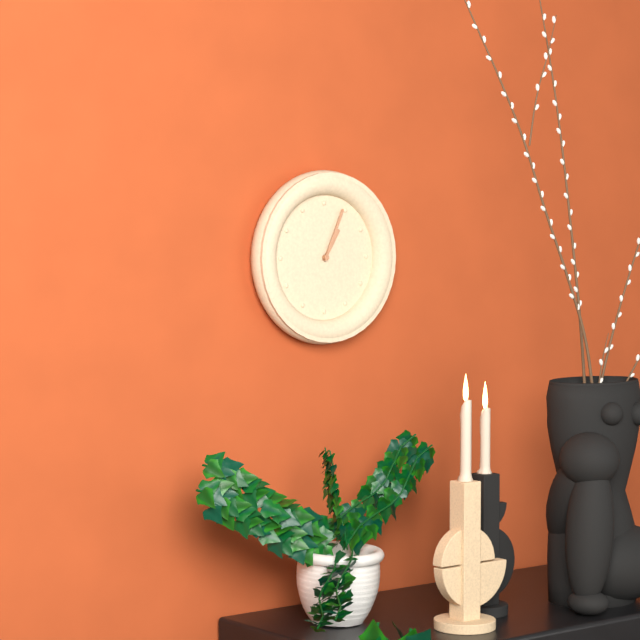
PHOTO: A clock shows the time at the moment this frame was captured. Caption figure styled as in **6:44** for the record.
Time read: **1:04**
